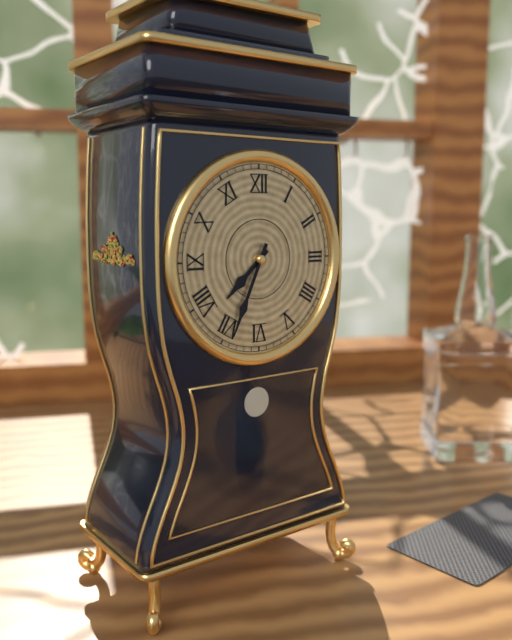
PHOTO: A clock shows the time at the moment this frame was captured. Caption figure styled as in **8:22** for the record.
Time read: **7:34**
